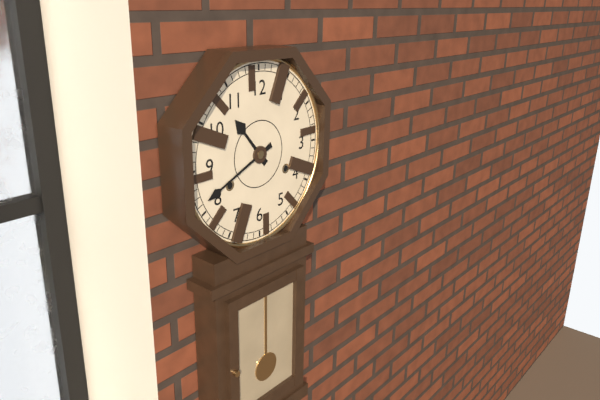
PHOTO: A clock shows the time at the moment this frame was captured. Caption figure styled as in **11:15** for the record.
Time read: **10:41**
